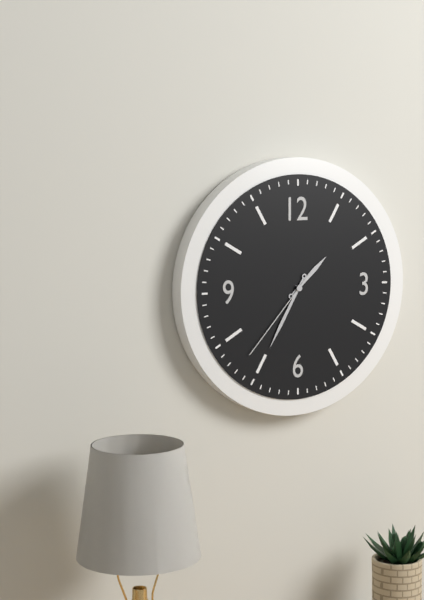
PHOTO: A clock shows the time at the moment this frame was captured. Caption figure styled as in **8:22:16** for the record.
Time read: **1:35:37**
